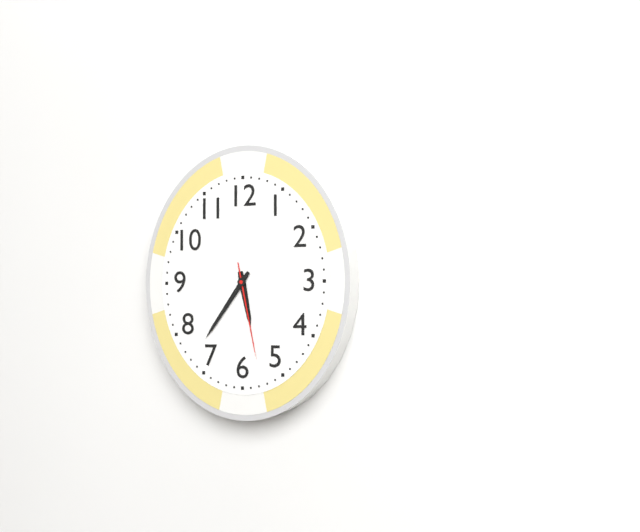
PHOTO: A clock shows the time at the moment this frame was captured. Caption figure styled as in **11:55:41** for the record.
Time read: **5:36:28**
